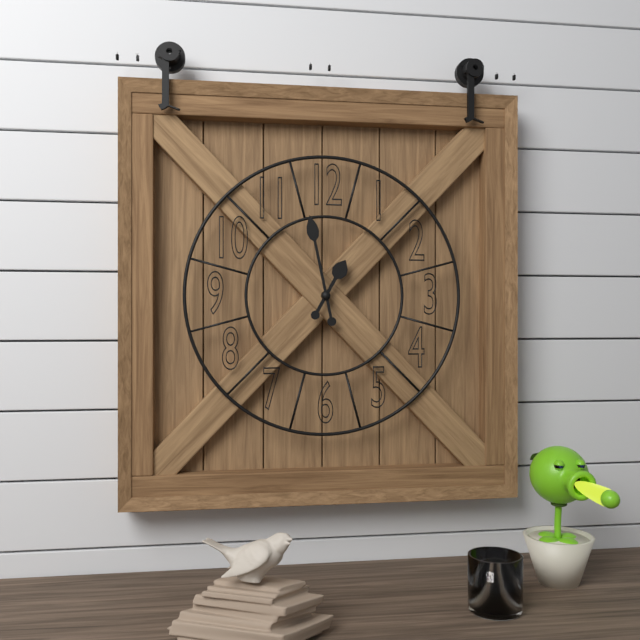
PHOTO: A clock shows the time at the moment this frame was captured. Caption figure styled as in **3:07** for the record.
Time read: **12:58**
